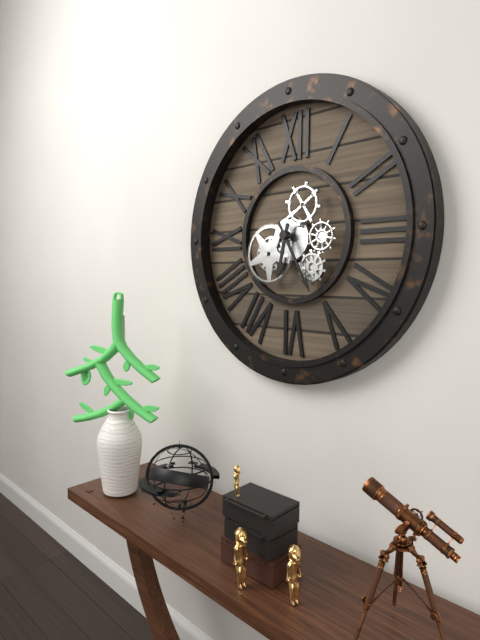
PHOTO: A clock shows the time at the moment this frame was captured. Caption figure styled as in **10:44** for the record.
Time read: **6:25**
